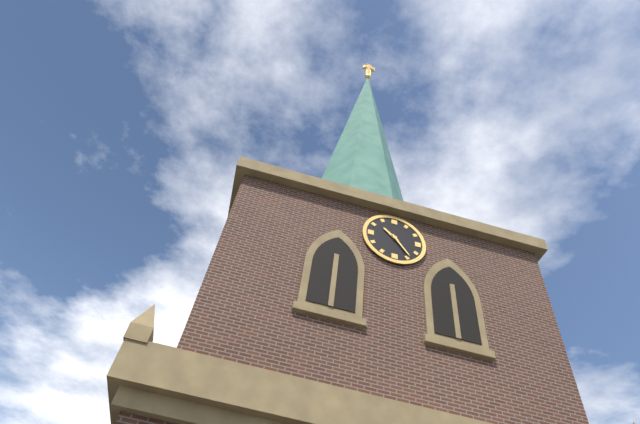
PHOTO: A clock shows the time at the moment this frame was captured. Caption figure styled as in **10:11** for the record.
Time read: **10:24**
